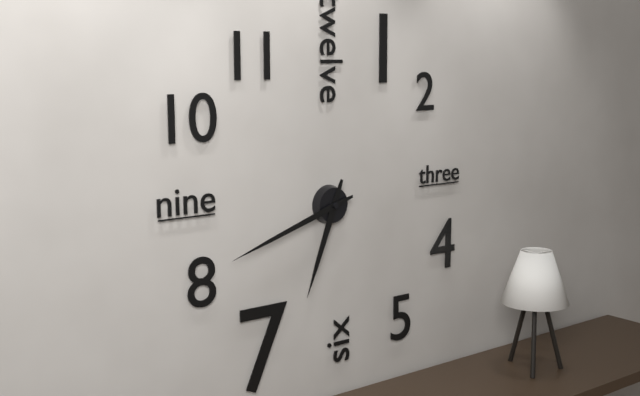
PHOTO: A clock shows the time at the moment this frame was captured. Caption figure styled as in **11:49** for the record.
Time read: **6:42**
